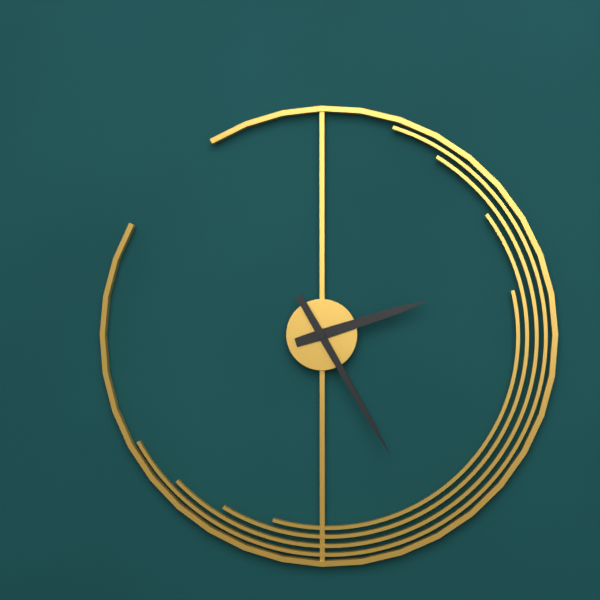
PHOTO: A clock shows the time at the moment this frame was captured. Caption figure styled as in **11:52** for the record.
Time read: **2:25**
